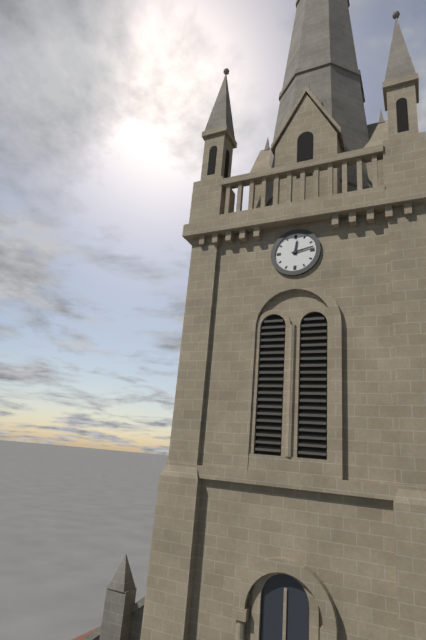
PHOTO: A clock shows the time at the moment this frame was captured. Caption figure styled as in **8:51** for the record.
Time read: **12:13**
